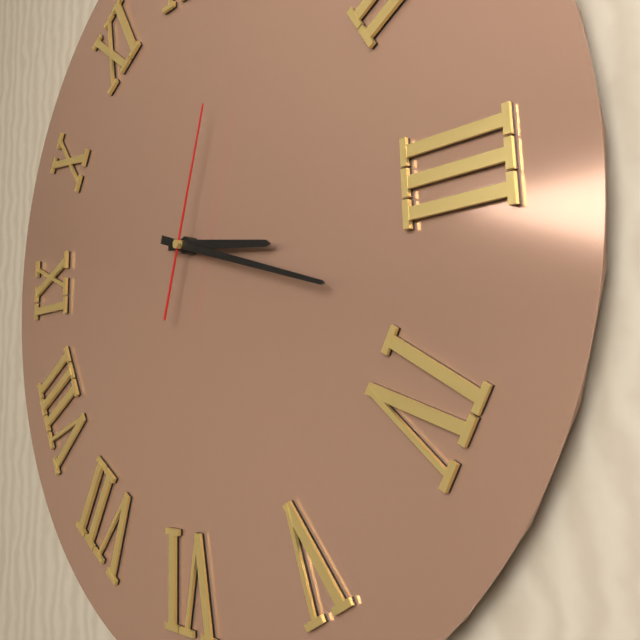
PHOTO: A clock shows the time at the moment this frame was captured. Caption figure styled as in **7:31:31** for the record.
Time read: **3:18:03**
